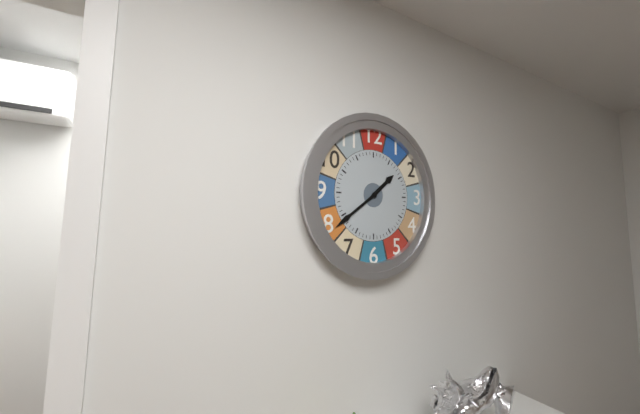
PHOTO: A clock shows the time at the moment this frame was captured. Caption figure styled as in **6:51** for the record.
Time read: **1:39**
